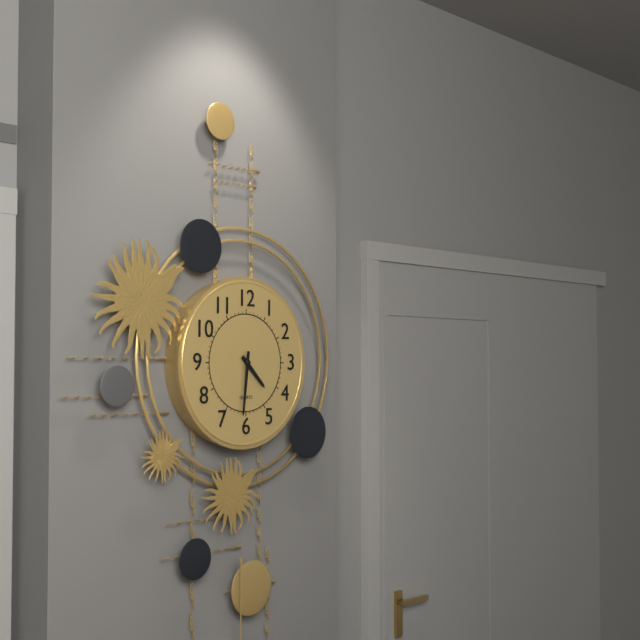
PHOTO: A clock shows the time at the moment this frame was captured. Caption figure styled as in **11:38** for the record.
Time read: **4:31**
